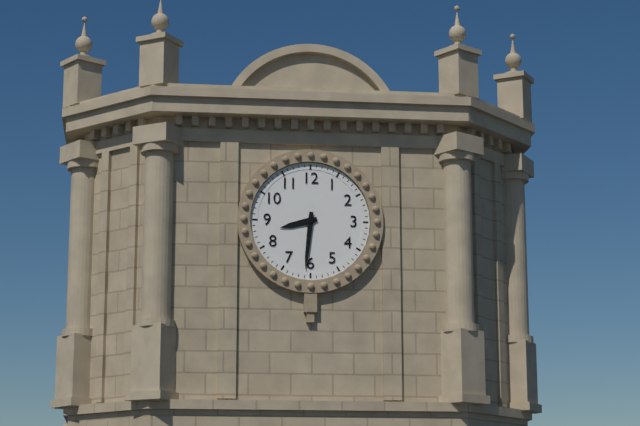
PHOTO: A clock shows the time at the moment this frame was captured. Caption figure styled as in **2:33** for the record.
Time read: **8:31**
